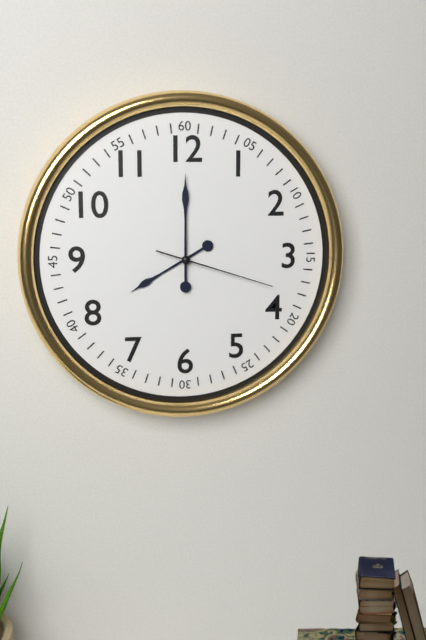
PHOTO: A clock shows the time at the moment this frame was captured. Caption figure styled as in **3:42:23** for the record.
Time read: **8:00:18**
